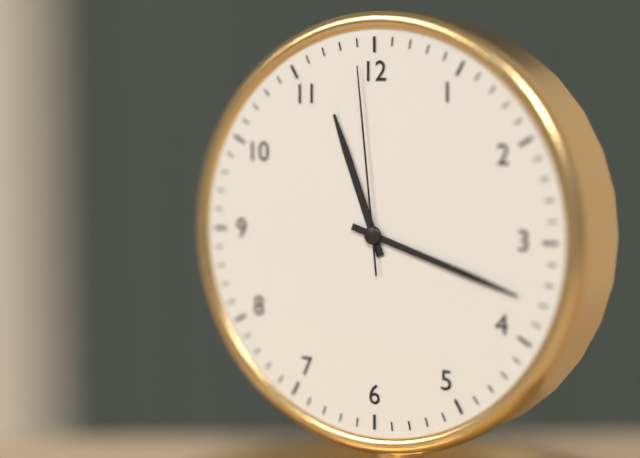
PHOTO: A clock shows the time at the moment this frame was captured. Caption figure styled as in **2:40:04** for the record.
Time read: **11:18:59**
